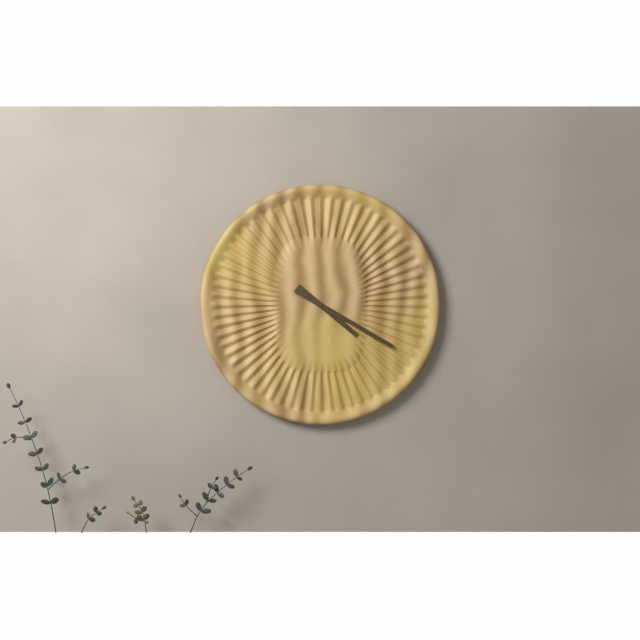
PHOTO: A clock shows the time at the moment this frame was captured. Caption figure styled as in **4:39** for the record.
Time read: **4:20**
